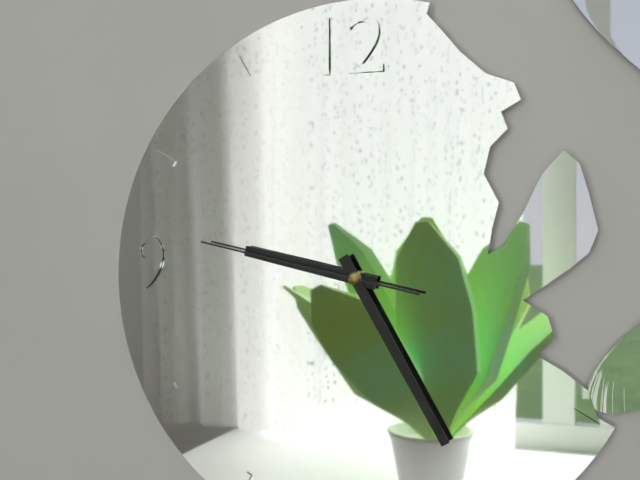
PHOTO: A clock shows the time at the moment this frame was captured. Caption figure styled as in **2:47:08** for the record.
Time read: **9:25:47**
